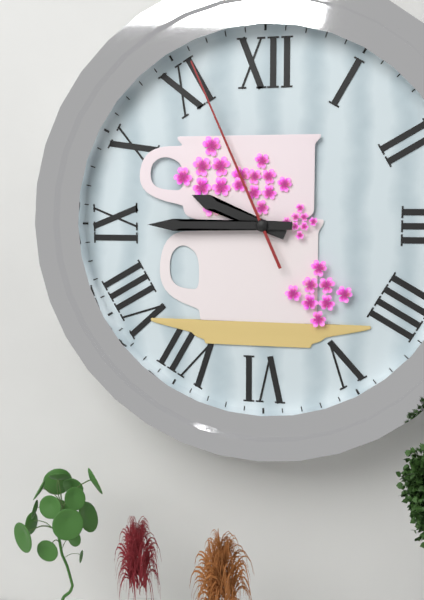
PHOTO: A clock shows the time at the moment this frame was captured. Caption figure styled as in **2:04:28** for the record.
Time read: **9:45:56**
